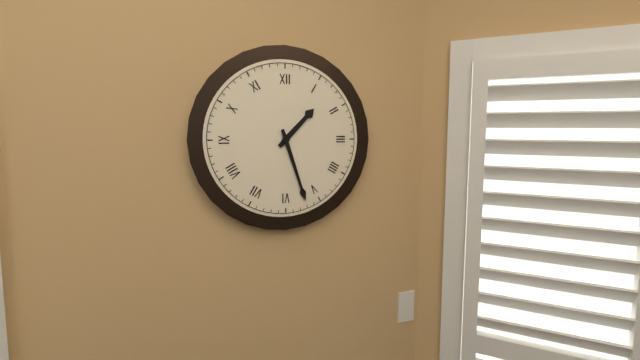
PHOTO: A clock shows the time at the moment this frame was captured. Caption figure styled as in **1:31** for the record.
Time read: **1:27**
